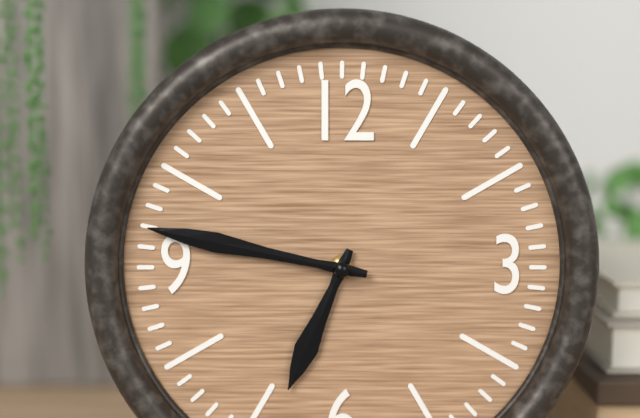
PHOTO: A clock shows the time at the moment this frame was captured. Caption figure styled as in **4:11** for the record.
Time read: **6:47**
